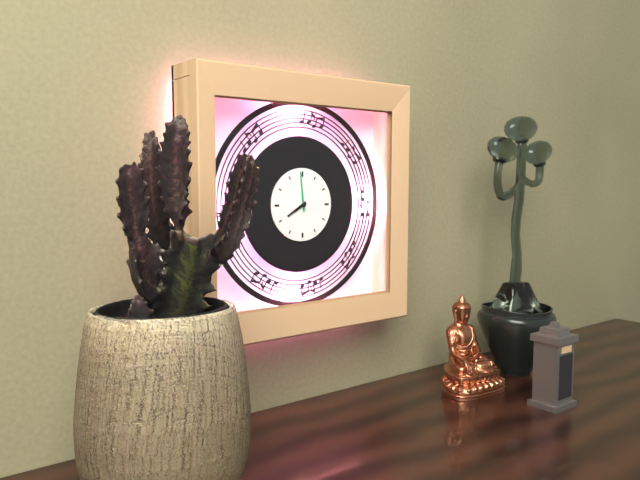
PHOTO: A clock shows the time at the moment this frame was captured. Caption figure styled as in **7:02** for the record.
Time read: **7:59**
